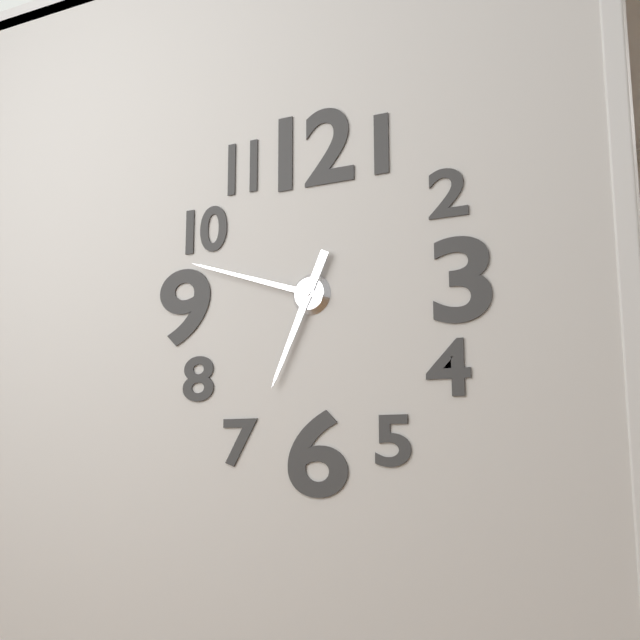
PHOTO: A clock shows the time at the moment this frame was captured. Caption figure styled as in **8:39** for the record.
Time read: **6:48**
